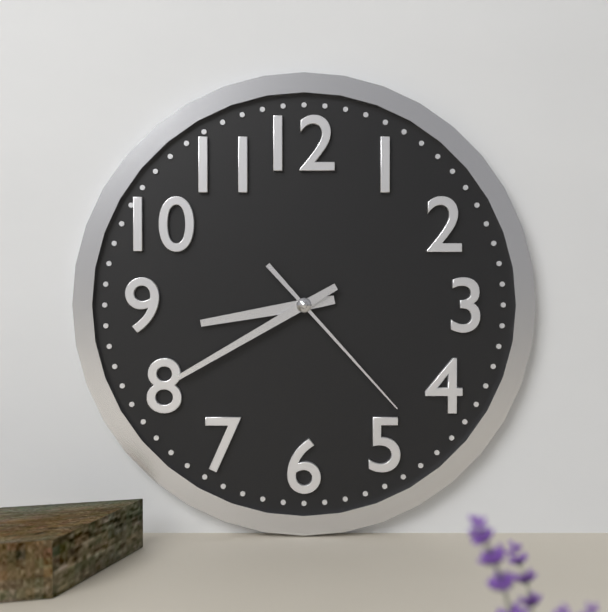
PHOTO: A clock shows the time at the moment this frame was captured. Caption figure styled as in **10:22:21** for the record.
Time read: **8:40:23**
